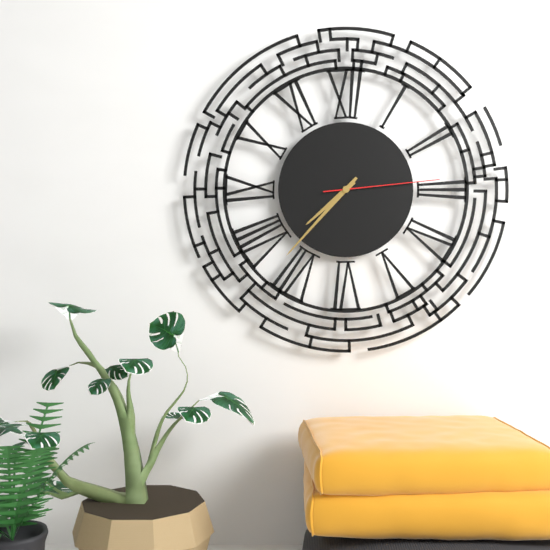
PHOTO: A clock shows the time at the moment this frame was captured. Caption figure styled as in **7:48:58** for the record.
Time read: **7:37:14**
